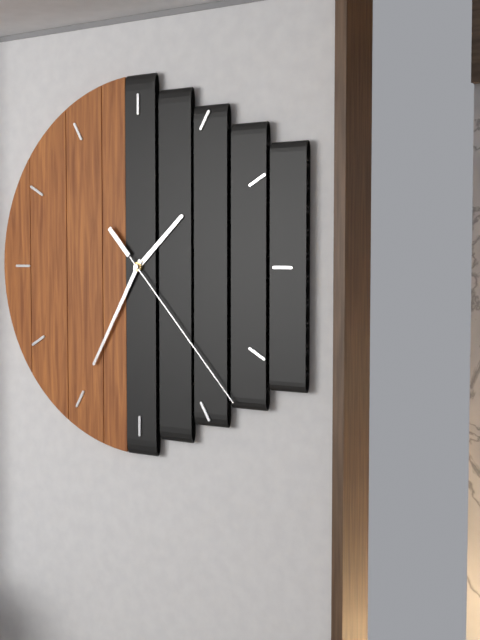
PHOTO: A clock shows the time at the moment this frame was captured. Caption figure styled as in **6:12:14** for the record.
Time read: **1:35:23**
